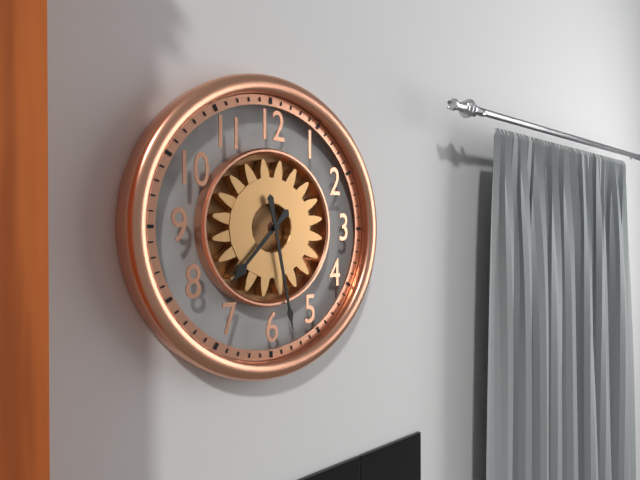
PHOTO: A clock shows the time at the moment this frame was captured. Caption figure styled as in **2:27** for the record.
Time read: **7:28**
